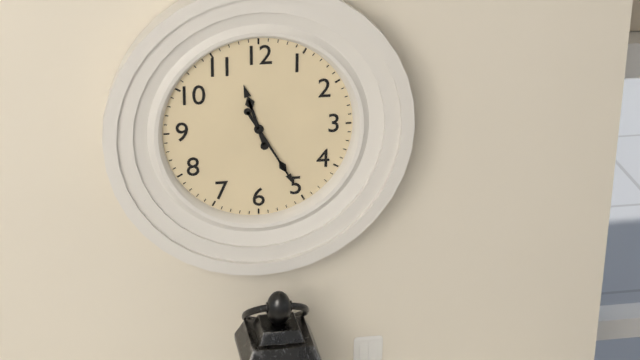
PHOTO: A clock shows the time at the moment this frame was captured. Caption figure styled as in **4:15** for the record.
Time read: **11:25**
